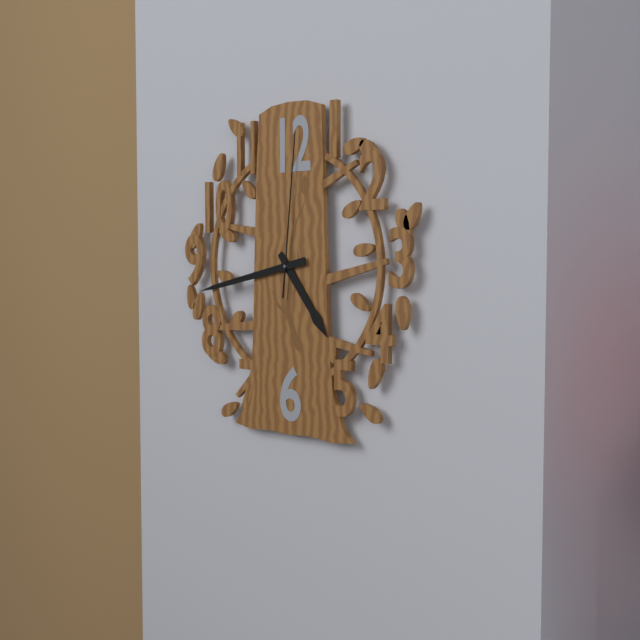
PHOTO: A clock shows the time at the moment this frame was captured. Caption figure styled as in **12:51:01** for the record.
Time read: **4:43:01**
